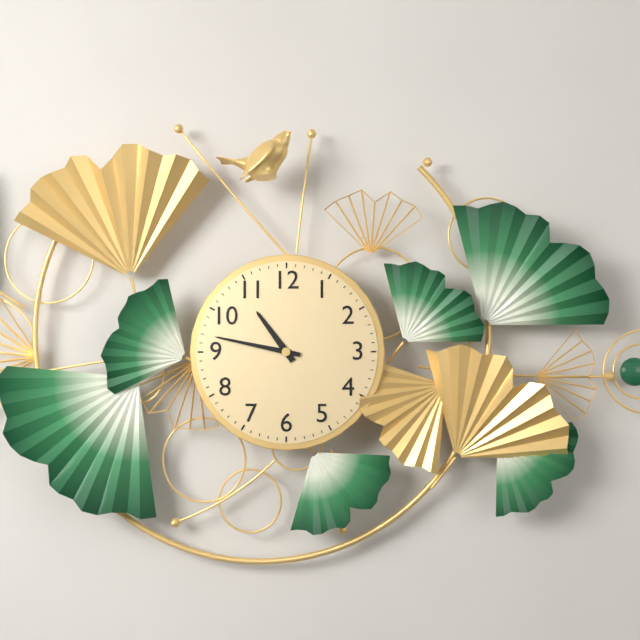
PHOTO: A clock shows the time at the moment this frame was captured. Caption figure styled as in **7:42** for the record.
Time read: **10:47**
